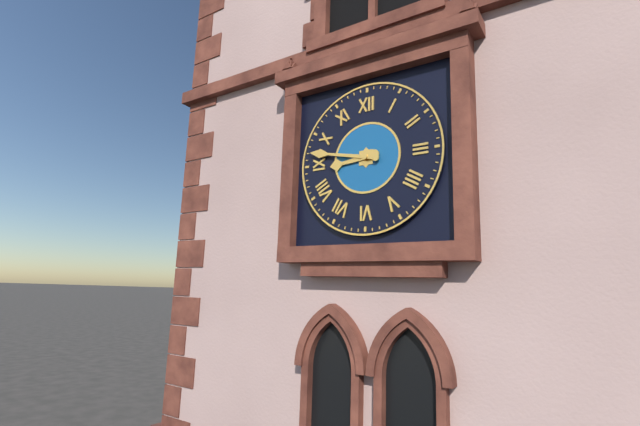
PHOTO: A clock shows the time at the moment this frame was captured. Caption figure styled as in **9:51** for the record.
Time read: **8:47**
